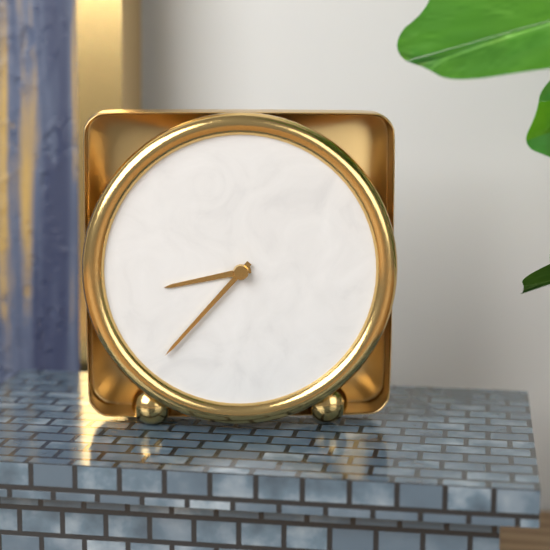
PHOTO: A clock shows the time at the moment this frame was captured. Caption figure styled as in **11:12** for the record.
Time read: **8:37**
